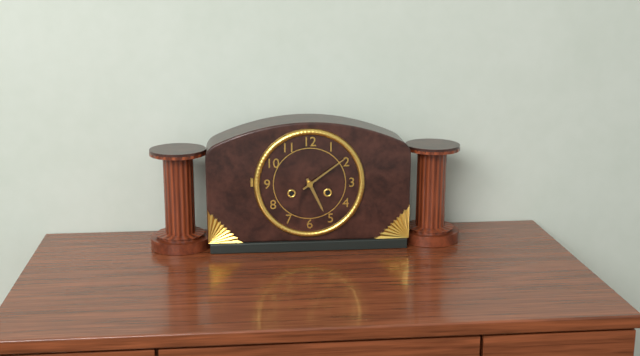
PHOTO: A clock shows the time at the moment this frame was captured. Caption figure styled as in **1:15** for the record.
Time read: **5:09**
